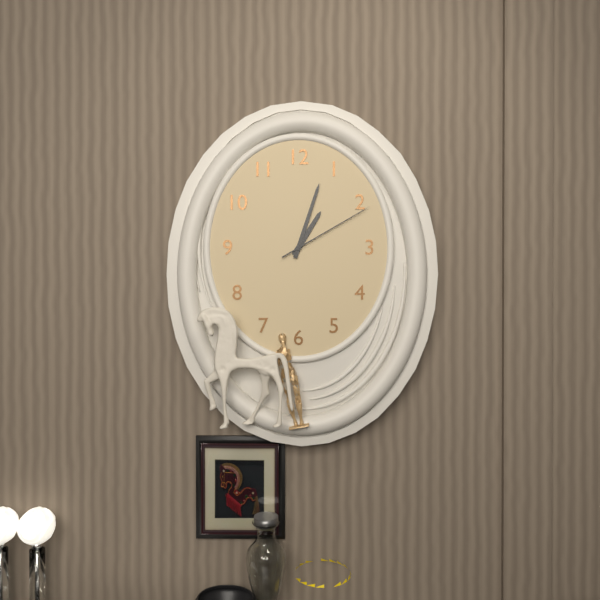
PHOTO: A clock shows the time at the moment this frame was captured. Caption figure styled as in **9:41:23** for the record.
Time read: **1:03:10**
